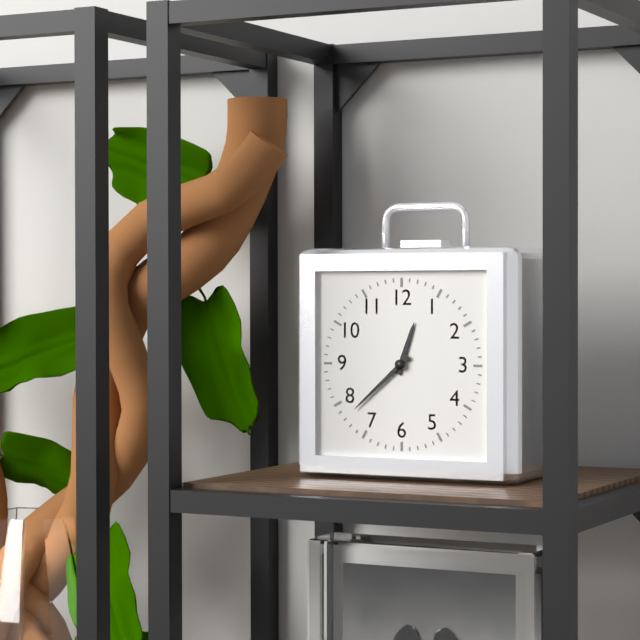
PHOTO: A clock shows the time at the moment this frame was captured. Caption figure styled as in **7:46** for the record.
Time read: **12:38**
